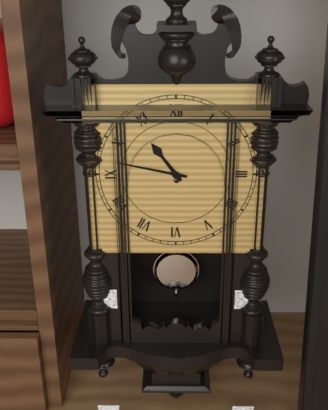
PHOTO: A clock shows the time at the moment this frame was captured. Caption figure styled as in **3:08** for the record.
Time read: **10:47**
